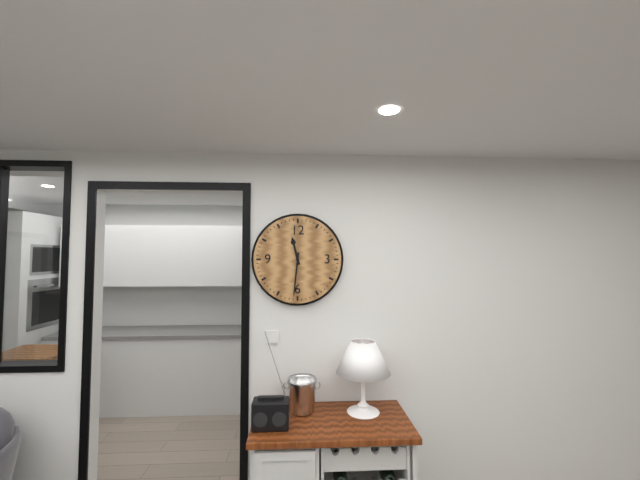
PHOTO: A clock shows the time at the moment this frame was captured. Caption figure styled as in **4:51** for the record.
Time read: **11:31**
